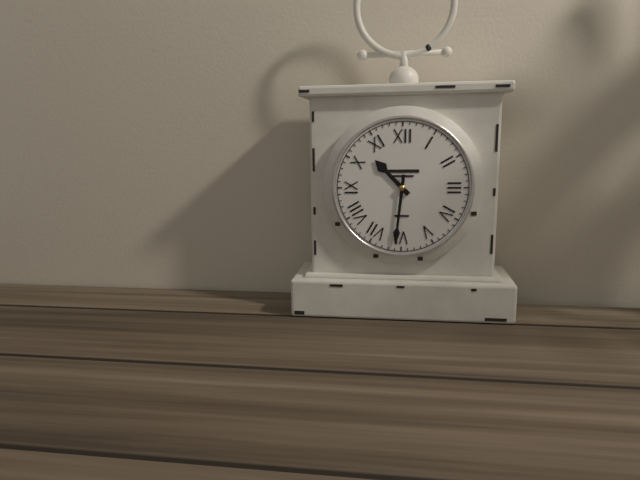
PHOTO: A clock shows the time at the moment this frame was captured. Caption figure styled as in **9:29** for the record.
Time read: **10:31**
